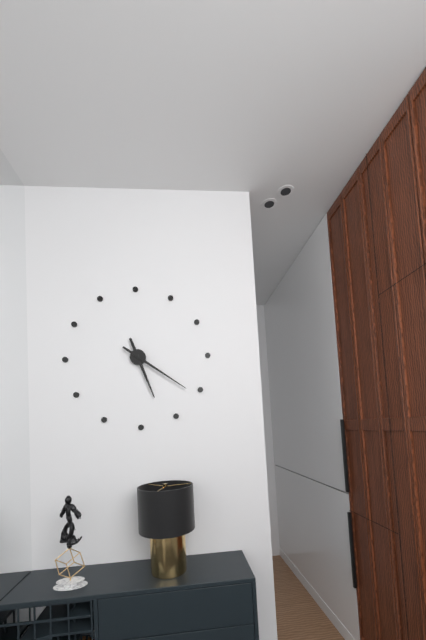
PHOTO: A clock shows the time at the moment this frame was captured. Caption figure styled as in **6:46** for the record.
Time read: **5:21**
